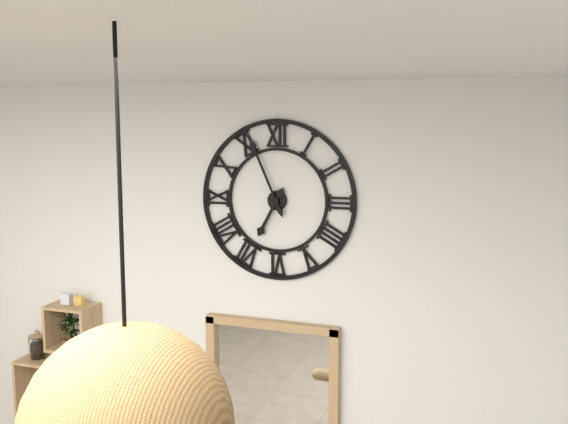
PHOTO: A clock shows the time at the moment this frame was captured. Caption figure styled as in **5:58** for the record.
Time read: **6:56**
